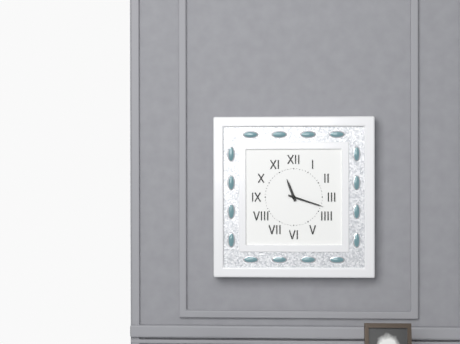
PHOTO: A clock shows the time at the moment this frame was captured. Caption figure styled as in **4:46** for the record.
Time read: **11:18**
